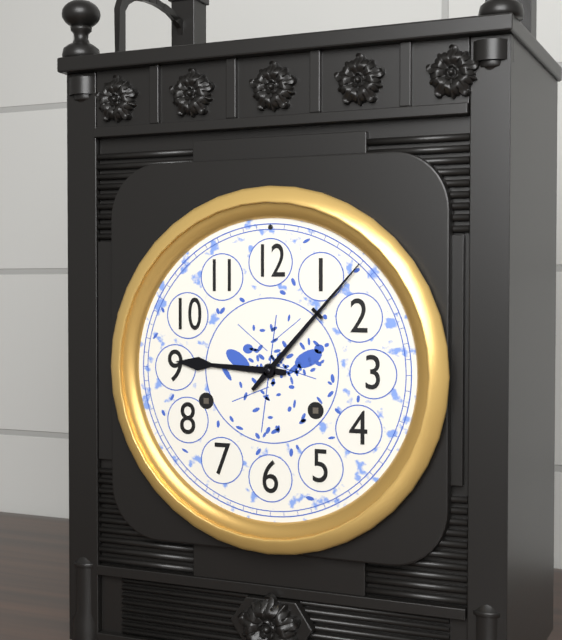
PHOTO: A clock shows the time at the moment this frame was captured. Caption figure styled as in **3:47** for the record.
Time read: **9:07**
